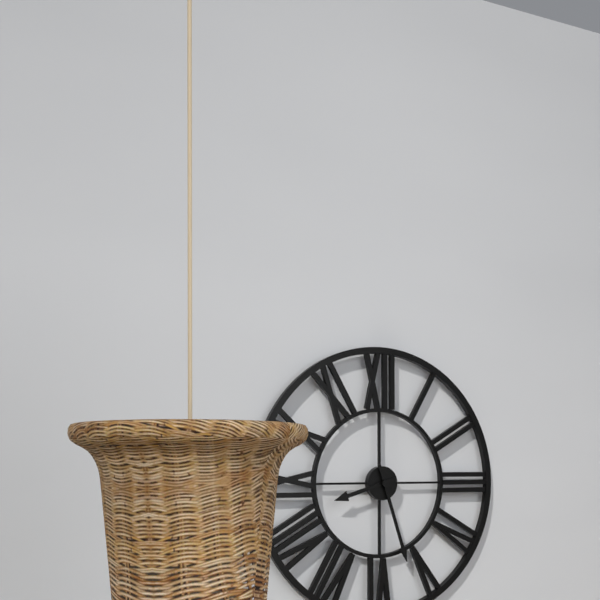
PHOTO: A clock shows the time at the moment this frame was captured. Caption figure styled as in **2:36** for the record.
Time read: **8:27**
